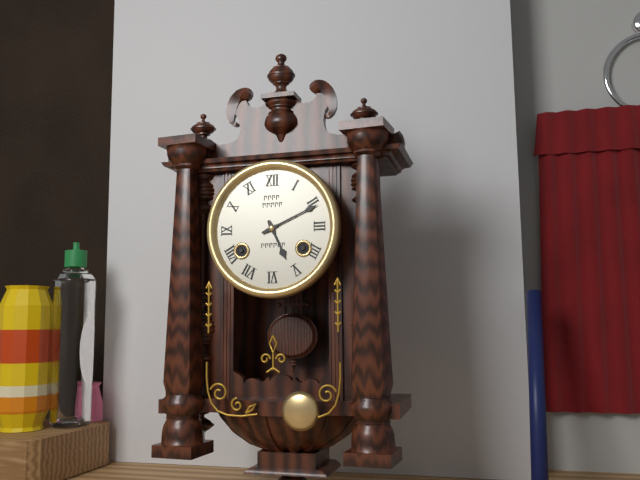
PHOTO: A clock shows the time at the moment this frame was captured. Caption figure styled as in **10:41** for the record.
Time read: **5:11**
